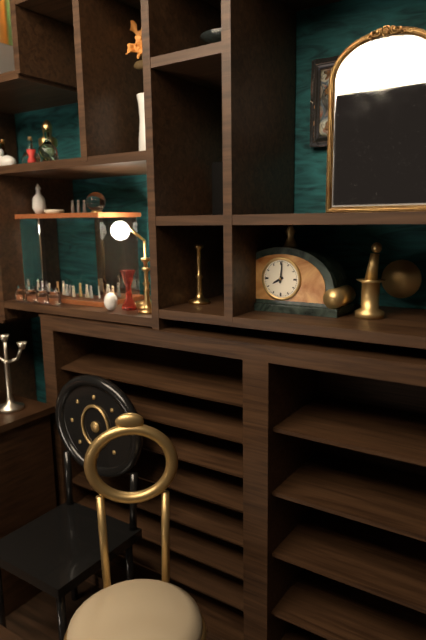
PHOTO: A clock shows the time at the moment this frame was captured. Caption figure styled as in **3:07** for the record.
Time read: **8:01**
